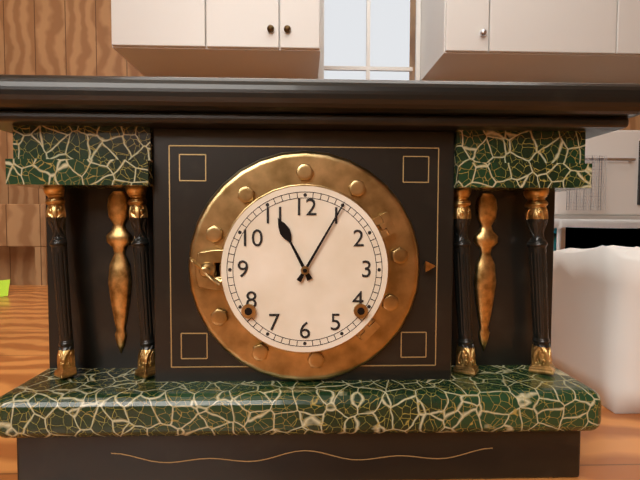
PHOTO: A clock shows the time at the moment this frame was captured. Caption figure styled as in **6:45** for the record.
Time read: **11:05**
